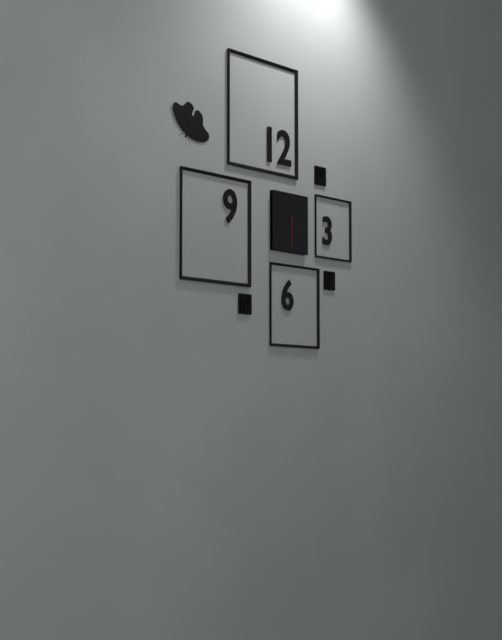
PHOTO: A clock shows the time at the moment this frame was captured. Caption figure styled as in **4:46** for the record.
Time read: **3:07**
